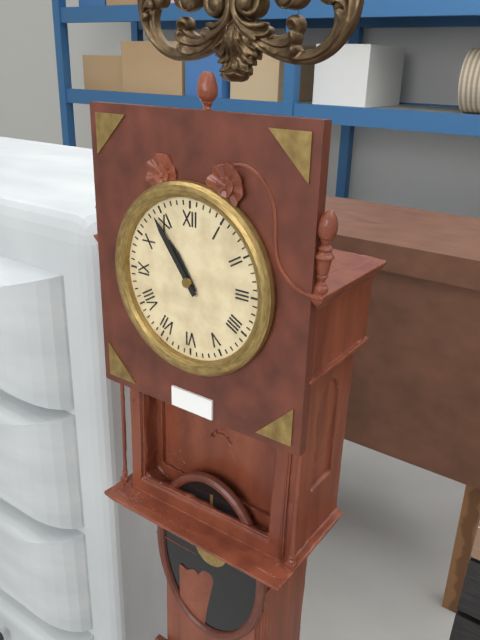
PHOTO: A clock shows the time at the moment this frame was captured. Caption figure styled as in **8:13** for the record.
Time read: **10:54**
